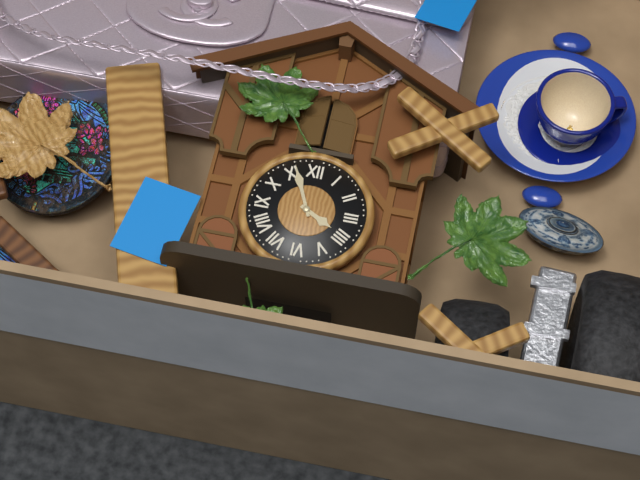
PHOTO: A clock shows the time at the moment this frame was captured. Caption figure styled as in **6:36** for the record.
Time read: **3:56**
